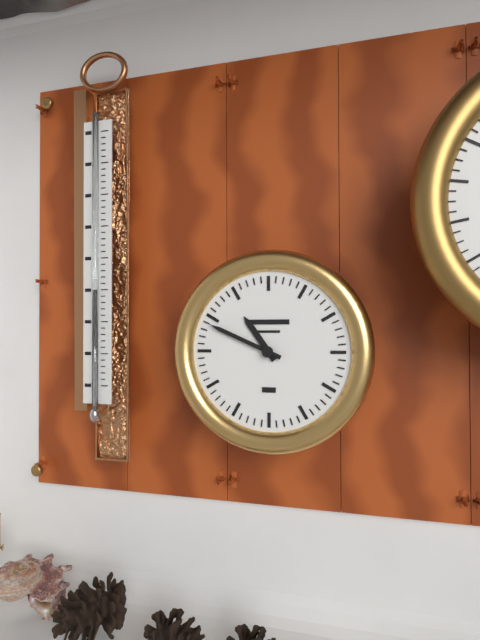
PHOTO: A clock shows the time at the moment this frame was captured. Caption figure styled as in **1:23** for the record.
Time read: **10:49**
